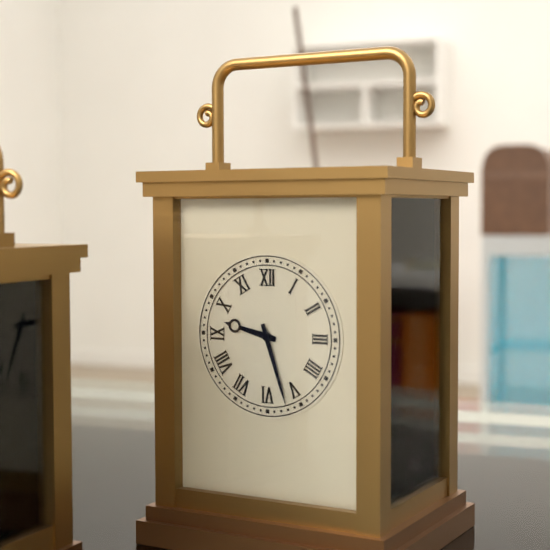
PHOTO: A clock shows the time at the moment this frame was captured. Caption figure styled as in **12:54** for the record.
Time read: **9:27**
